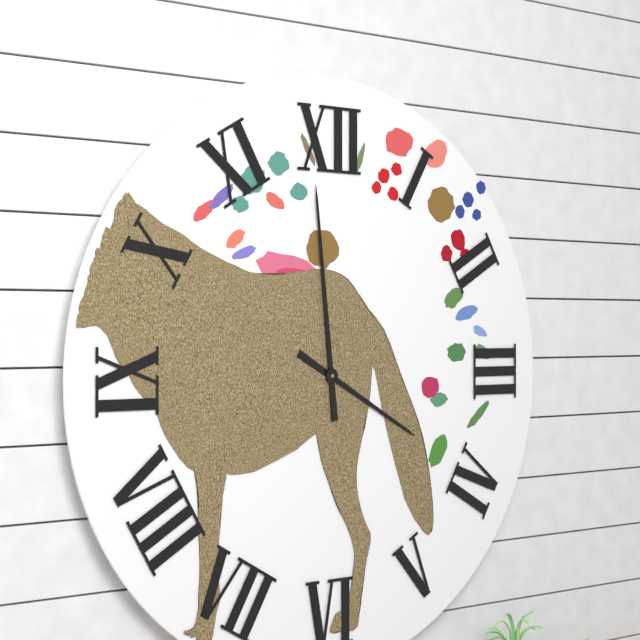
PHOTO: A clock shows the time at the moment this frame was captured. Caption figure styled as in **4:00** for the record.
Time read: **3:59**
